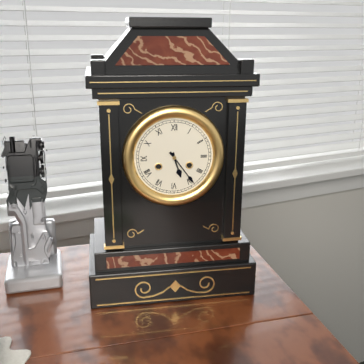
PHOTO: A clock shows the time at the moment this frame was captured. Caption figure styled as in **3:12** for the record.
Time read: **5:24**
